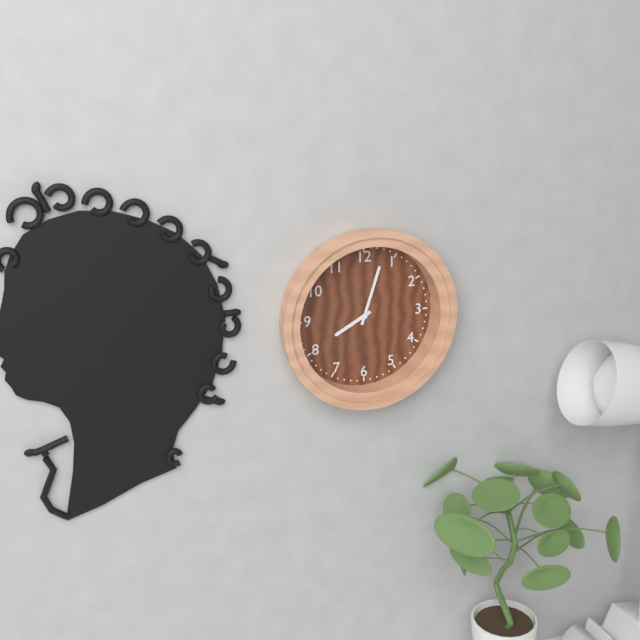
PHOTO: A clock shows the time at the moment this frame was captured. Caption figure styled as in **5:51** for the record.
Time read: **8:03**
